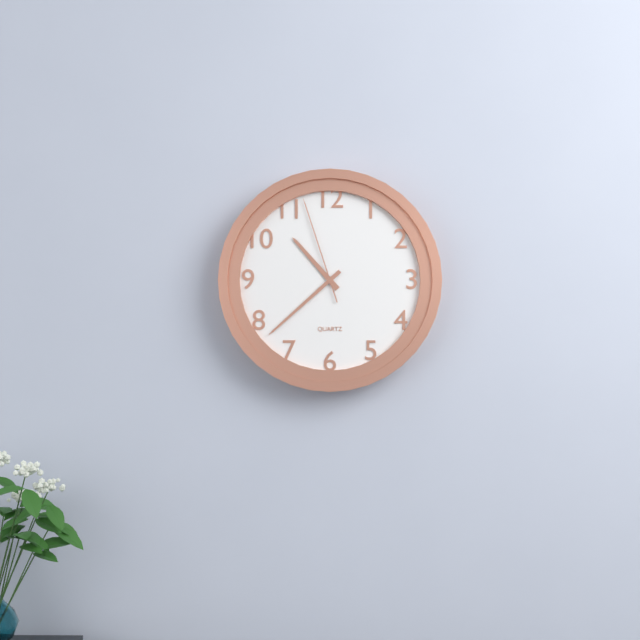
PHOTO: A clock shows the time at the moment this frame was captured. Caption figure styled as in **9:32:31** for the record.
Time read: **10:38:57**
